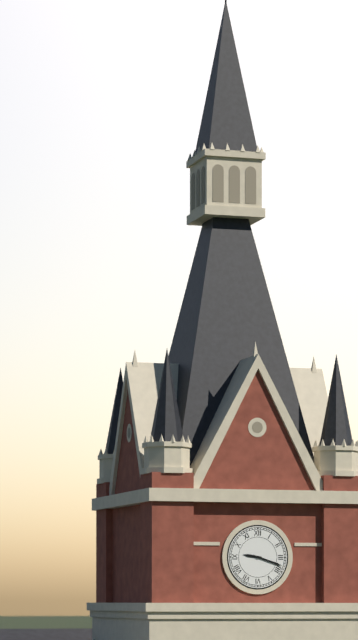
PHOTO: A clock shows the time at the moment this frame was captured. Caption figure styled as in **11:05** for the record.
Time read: **9:18**
